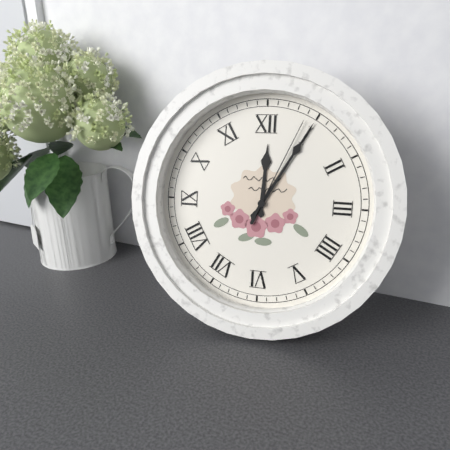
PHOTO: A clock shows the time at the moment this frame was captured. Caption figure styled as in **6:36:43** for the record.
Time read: **12:05:04**
